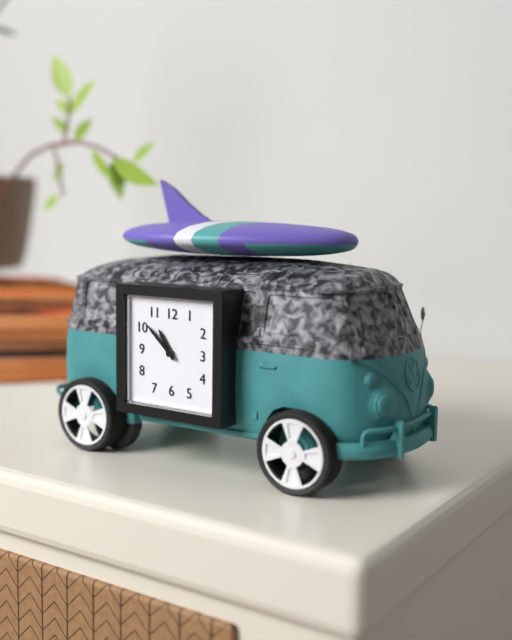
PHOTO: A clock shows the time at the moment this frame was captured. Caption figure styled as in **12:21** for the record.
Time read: **10:52**
